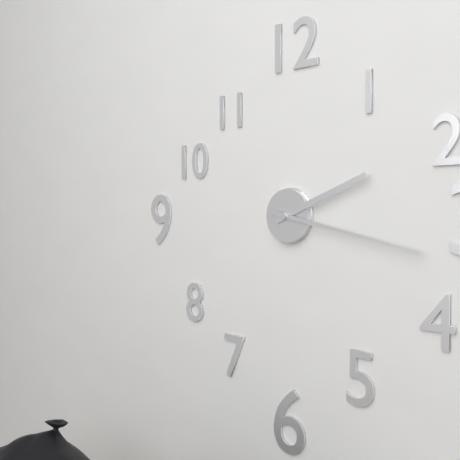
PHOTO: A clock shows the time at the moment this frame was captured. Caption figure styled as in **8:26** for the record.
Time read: **2:17**
